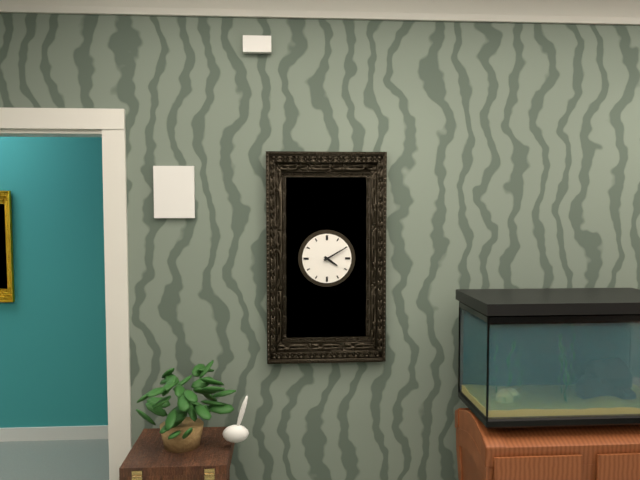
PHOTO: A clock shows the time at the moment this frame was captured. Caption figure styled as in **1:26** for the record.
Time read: **4:10**
